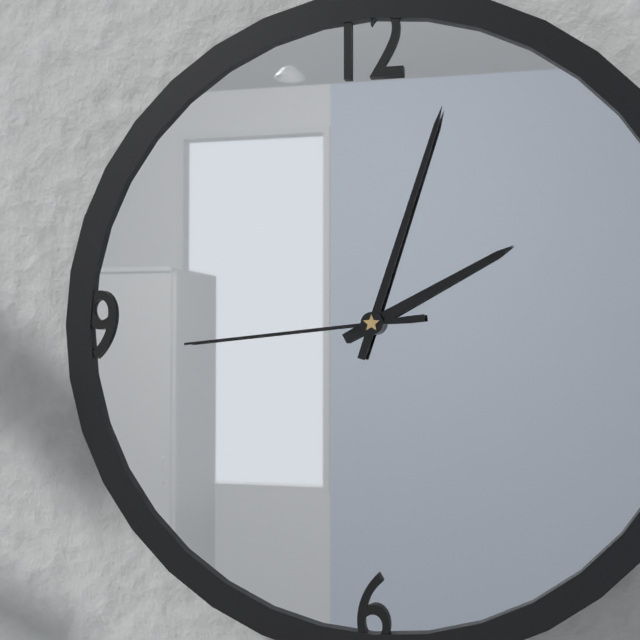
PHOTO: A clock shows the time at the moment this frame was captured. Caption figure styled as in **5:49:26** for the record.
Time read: **2:03:44**
